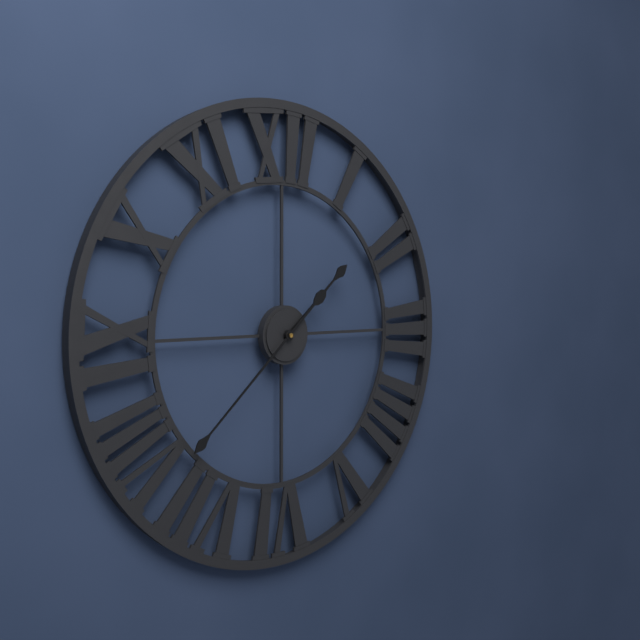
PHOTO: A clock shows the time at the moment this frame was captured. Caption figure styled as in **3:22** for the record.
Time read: **1:38**
